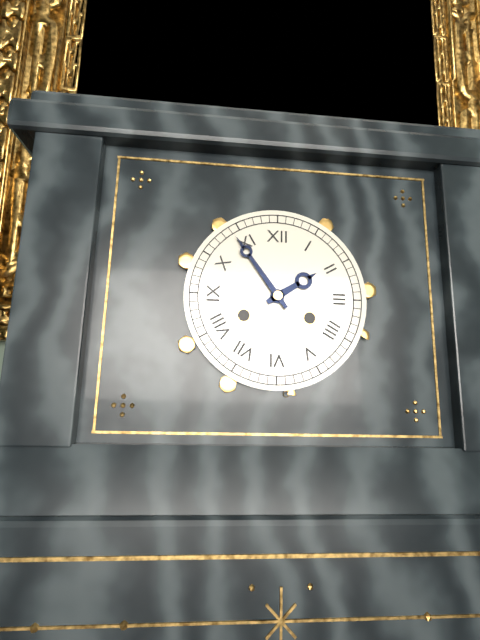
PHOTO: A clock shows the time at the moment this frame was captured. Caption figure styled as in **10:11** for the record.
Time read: **1:54**
